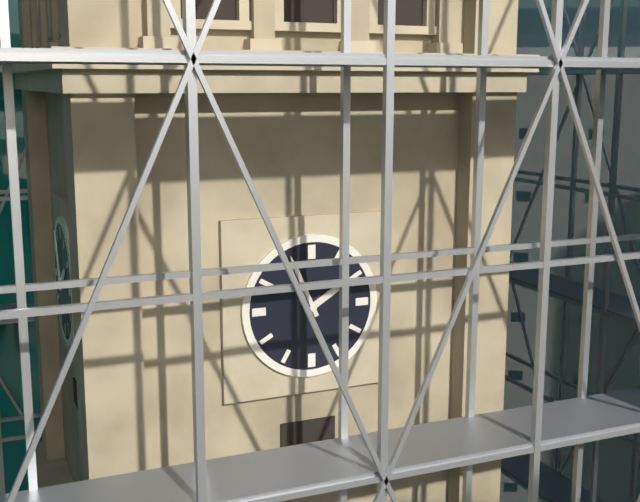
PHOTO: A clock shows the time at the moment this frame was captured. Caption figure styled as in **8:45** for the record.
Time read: **1:56**
